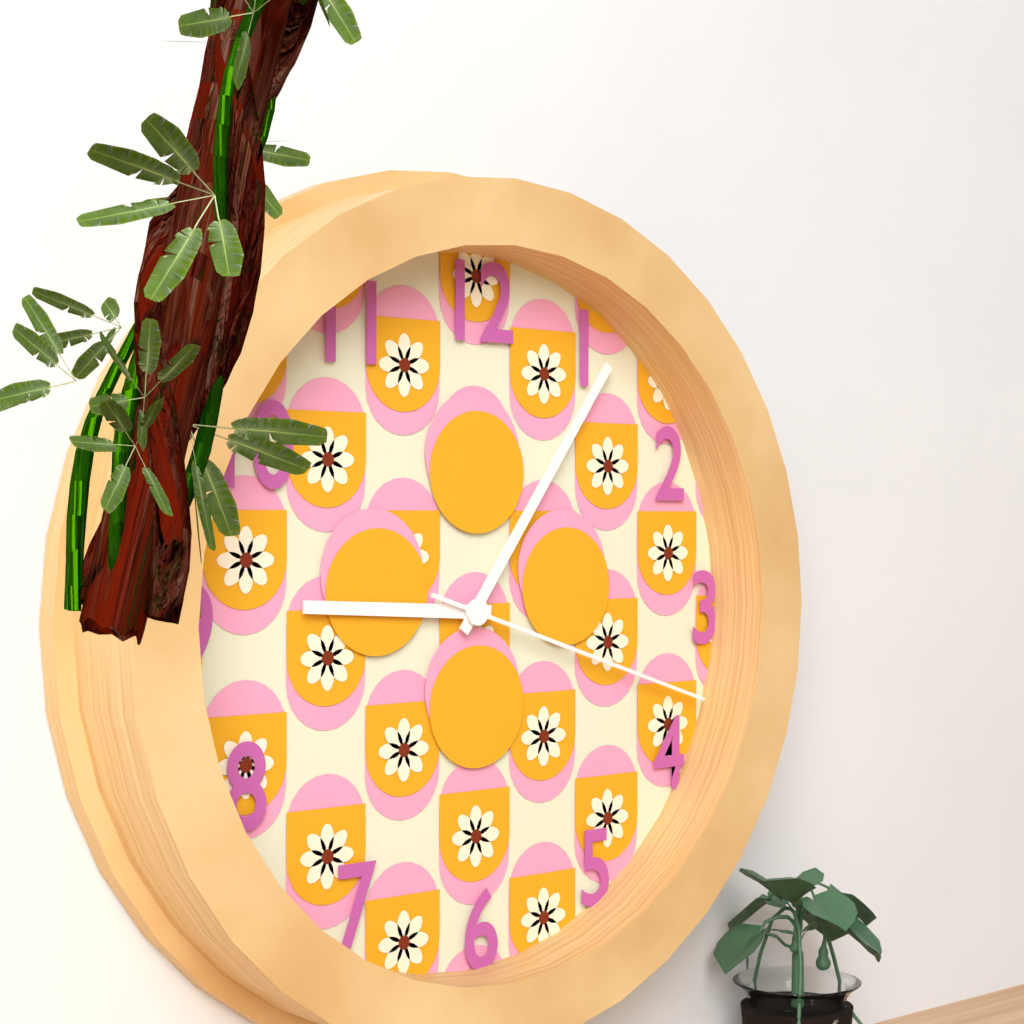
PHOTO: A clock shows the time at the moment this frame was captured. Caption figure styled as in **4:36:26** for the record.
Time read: **9:06:18**
